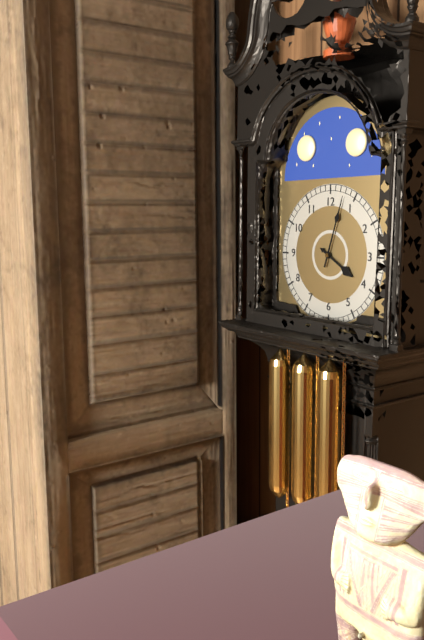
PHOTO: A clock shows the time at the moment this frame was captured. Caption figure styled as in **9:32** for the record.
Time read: **4:03**
